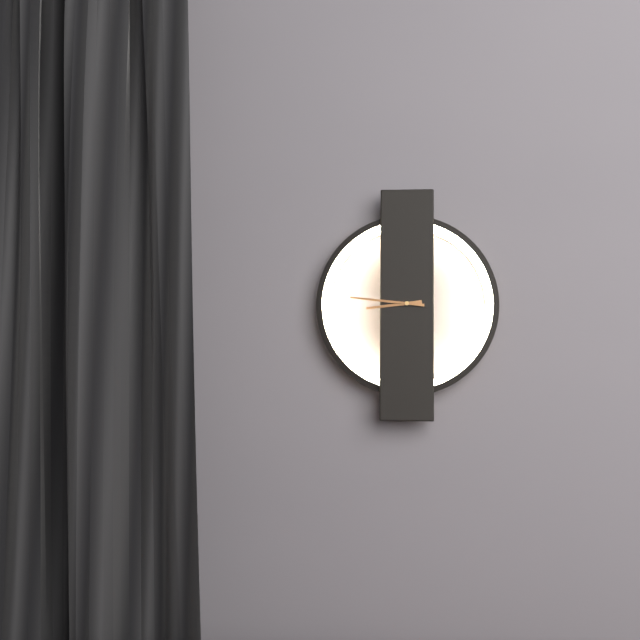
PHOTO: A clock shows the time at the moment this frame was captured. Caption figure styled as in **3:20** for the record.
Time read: **8:46**
